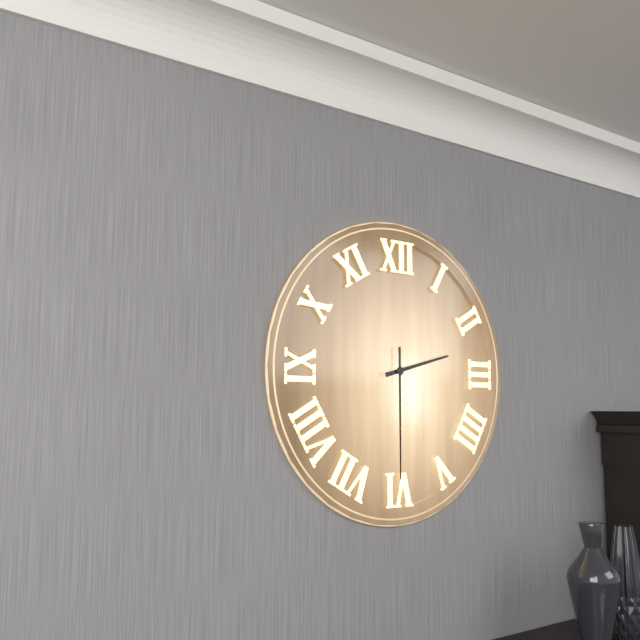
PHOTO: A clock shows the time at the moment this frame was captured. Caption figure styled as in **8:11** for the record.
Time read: **2:30**
